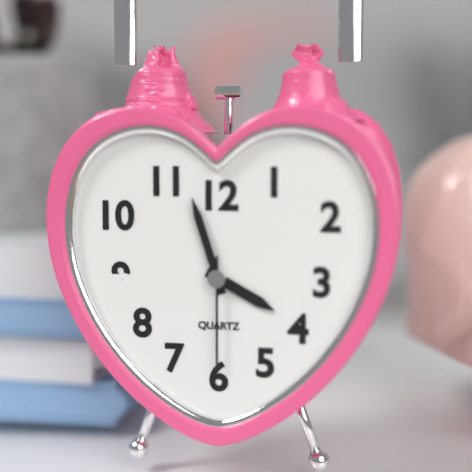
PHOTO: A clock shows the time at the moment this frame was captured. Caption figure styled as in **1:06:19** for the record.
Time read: **3:57:30**
